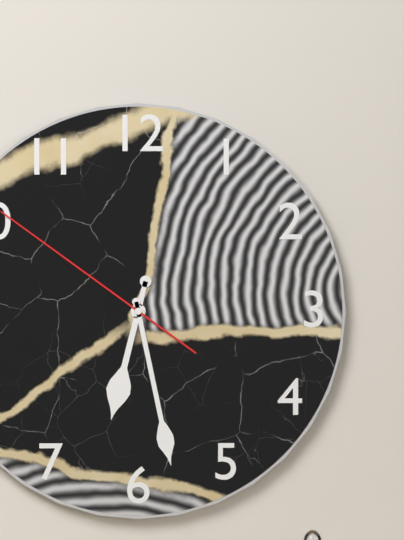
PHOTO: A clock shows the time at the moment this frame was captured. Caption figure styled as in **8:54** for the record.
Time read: **6:28**
